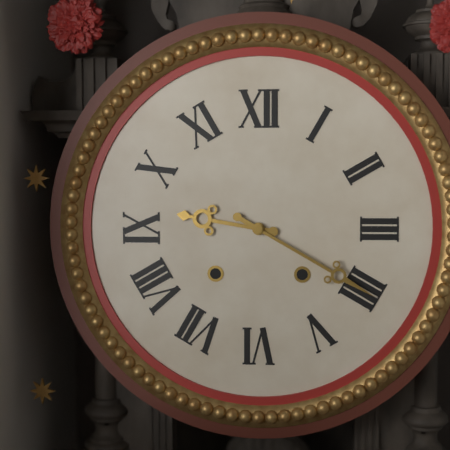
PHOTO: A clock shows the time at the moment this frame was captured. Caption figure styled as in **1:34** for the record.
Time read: **9:20**
